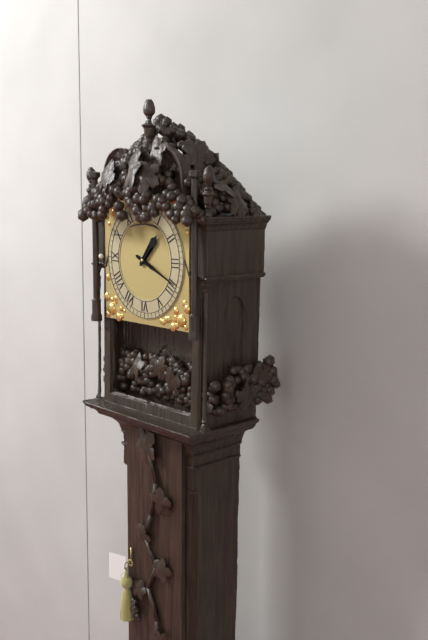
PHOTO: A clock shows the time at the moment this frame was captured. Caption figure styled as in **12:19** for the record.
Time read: **1:19**
